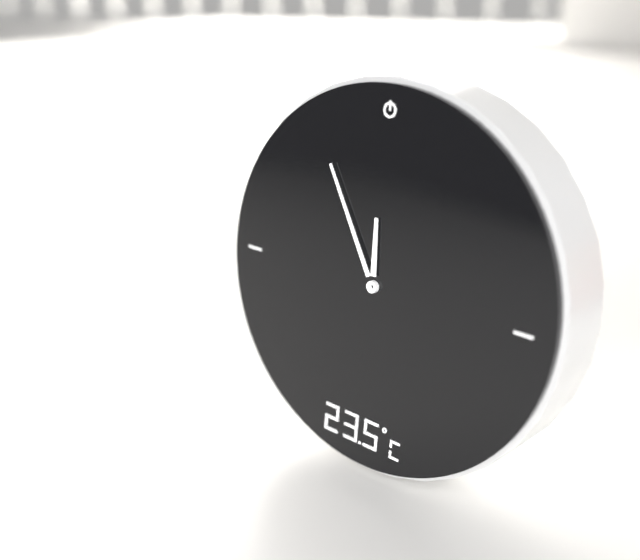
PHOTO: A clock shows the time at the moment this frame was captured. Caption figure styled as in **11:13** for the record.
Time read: **11:55**
